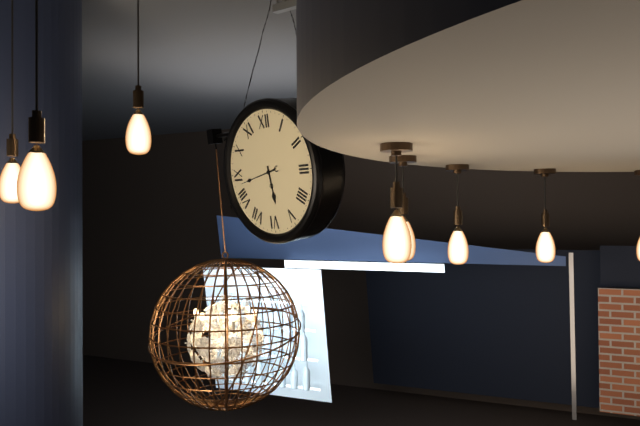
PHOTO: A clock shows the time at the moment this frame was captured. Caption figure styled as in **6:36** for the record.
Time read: **5:43**
